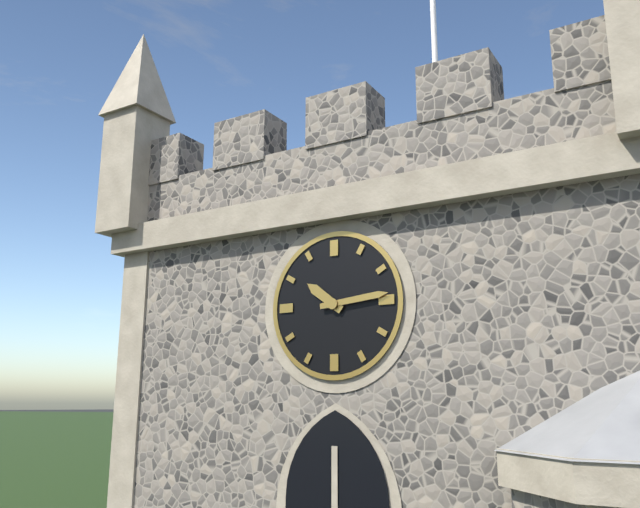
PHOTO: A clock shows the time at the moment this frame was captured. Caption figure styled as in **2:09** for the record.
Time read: **10:14**
